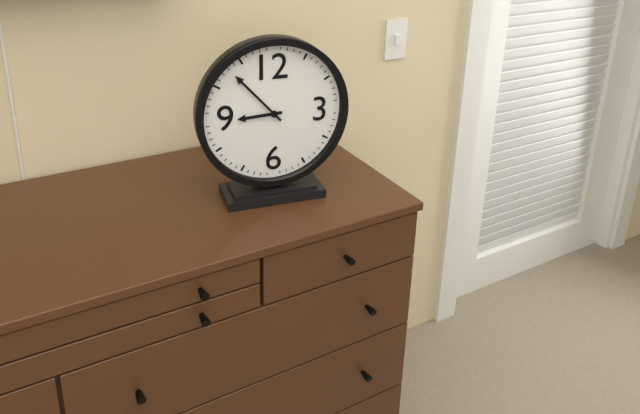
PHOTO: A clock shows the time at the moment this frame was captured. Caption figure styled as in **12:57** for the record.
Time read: **8:53**
